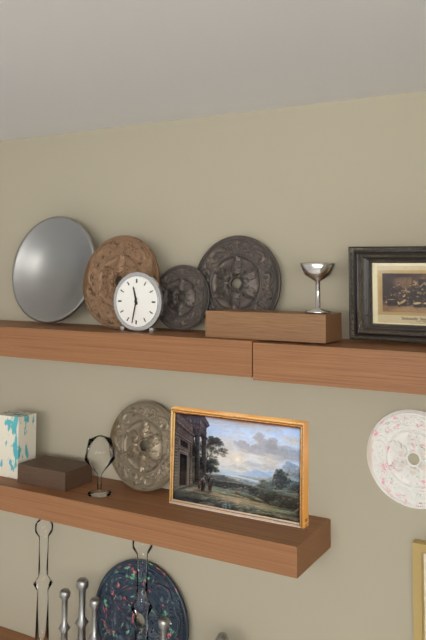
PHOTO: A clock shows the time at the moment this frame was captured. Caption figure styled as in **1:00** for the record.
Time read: **11:32**
